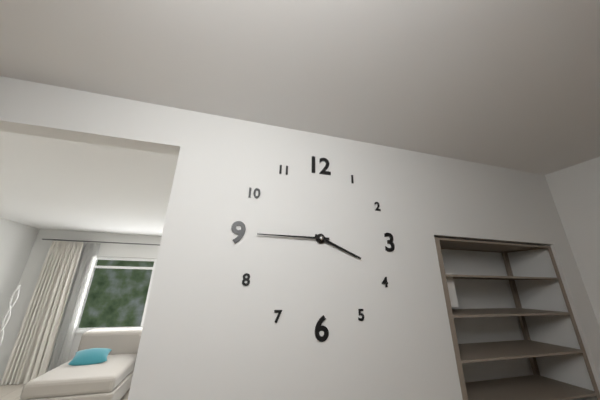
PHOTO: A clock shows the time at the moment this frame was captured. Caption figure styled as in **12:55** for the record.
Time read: **3:45**
